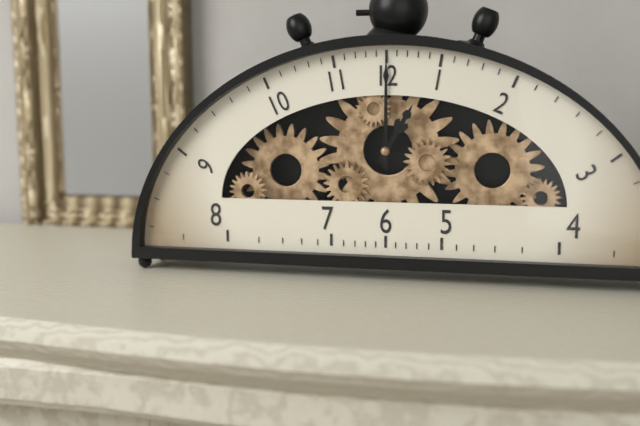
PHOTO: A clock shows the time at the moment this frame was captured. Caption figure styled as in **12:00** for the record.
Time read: **1:00**
